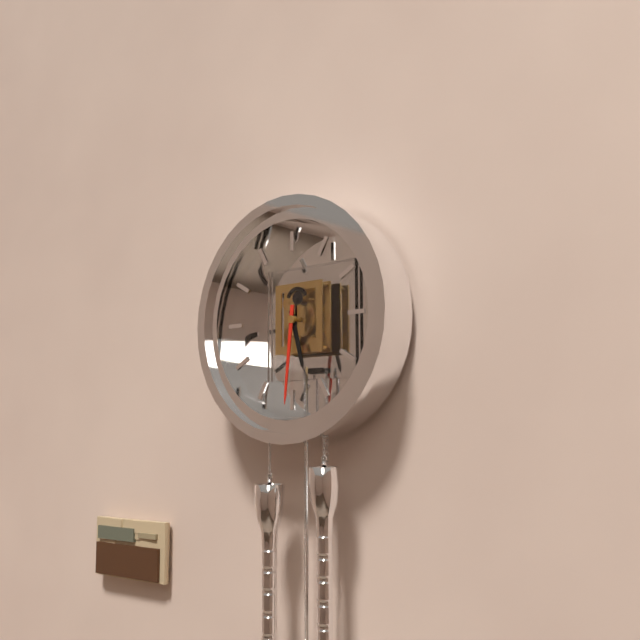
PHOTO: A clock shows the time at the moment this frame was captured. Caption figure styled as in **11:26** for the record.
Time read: **5:31**
